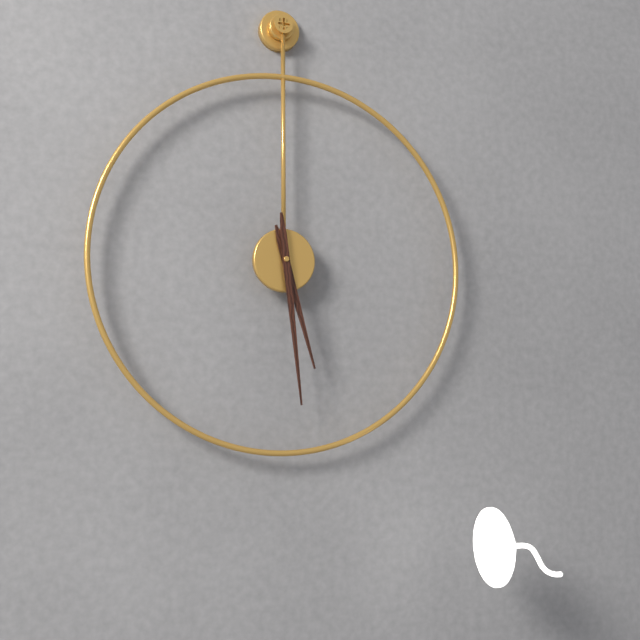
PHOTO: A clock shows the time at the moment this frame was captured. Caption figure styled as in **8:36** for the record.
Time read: **5:29**
